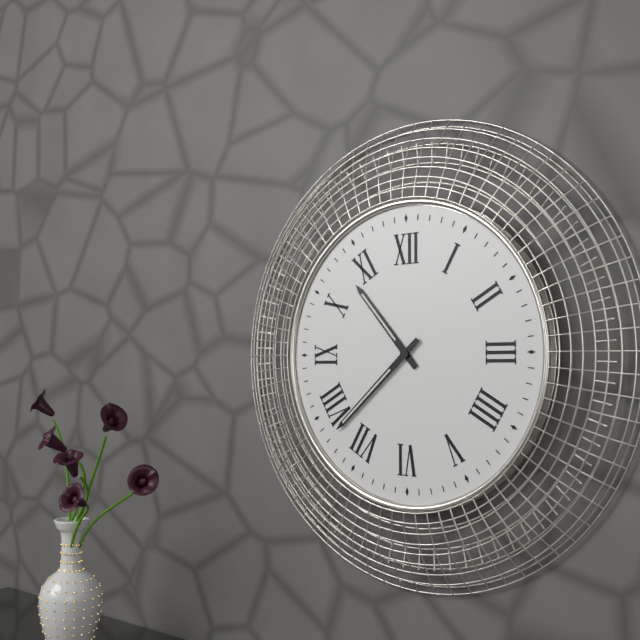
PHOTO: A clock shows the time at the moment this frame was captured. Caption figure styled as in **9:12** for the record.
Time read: **10:38**
